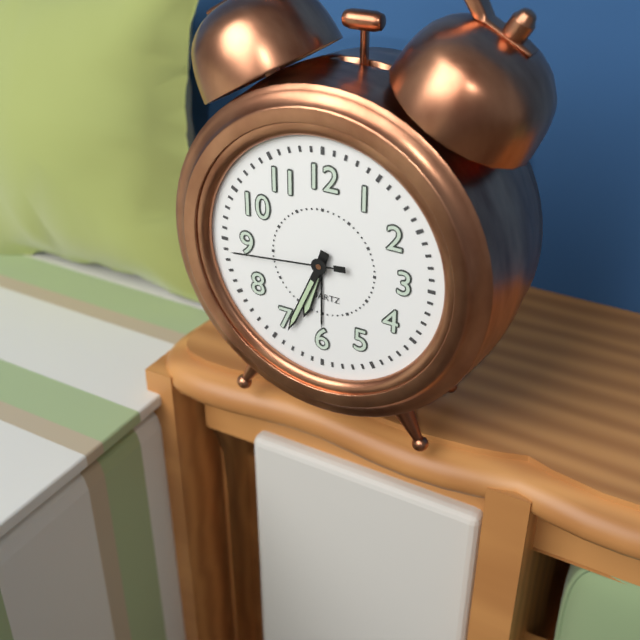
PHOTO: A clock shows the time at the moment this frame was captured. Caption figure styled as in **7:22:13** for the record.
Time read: **6:34:44**
